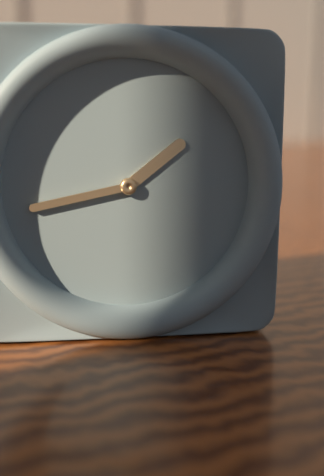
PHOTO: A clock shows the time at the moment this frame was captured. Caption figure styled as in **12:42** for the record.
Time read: **1:43**
